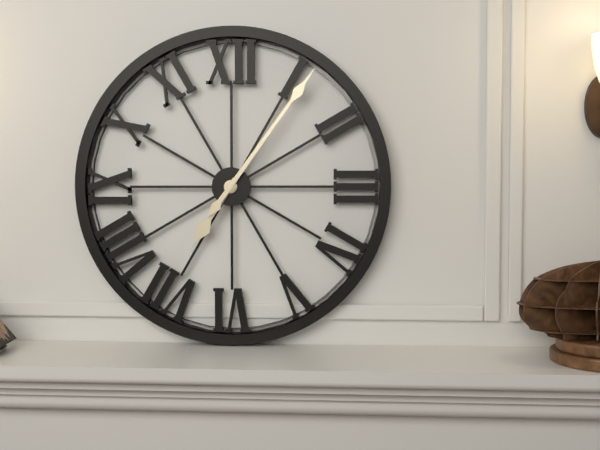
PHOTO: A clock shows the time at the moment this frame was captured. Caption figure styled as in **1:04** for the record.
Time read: **7:06**
